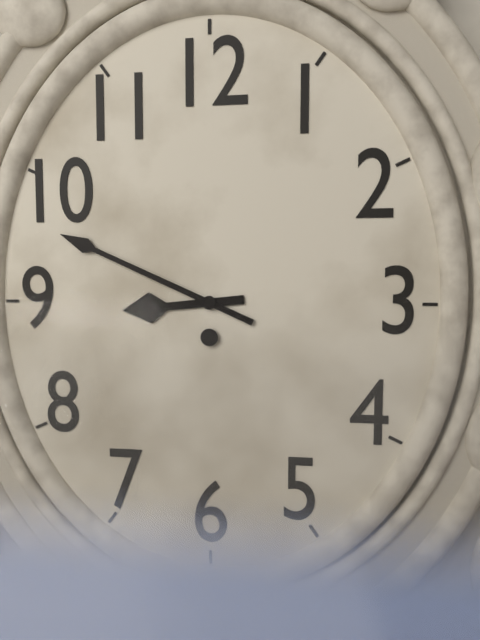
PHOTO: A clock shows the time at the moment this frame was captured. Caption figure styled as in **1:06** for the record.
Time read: **8:49**
